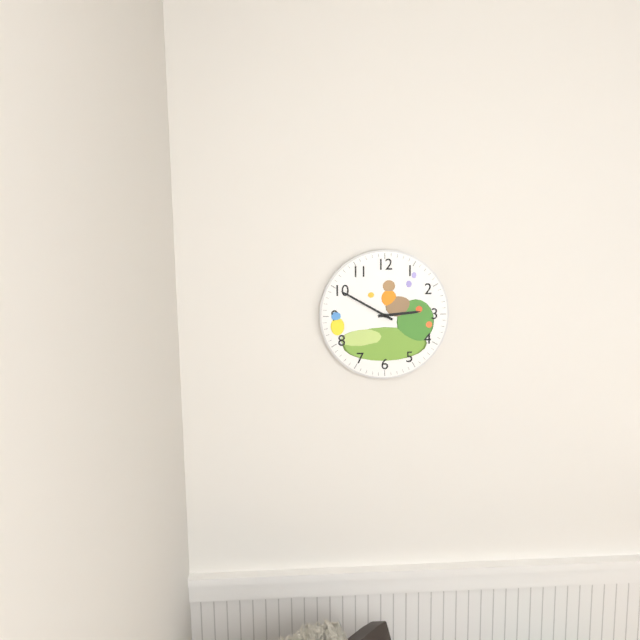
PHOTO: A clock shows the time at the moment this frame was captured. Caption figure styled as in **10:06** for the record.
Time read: **2:50**
